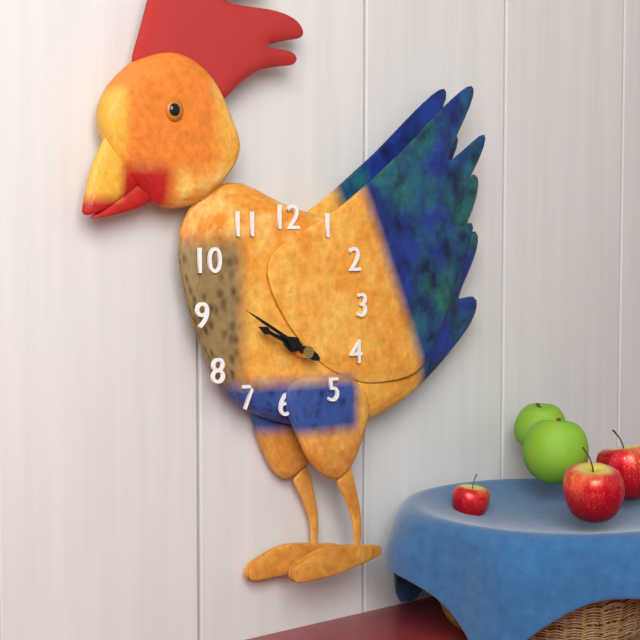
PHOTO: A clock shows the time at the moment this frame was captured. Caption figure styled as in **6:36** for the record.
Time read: **9:50**
